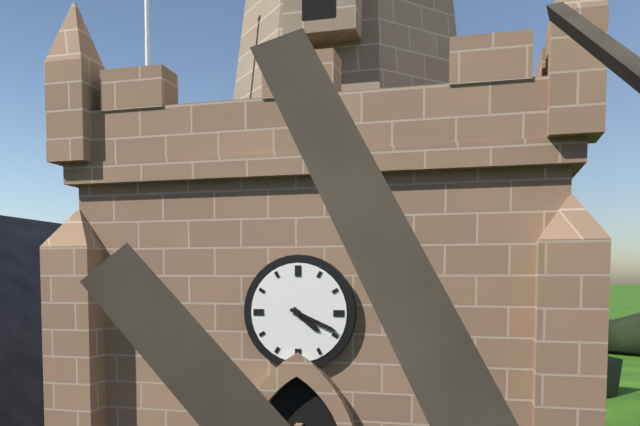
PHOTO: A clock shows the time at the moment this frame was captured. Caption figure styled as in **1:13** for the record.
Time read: **4:19**
